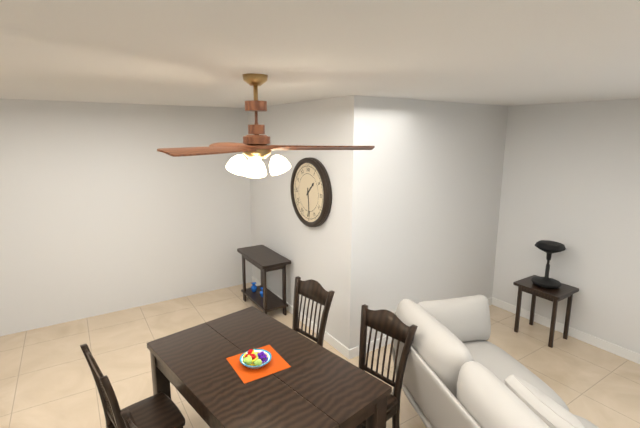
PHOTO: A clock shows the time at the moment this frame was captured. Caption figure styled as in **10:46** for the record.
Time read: **1:29**
